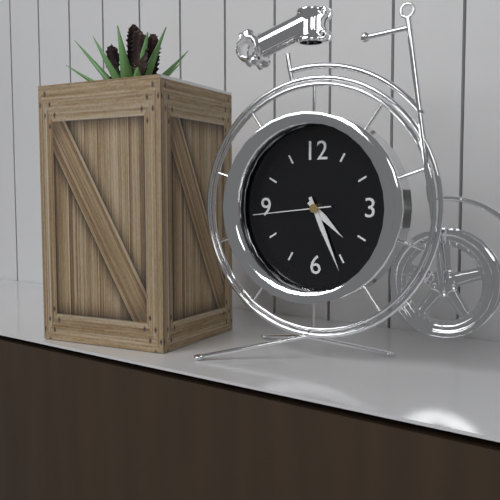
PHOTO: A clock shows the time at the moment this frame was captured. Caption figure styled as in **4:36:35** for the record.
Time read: **4:26:44**
